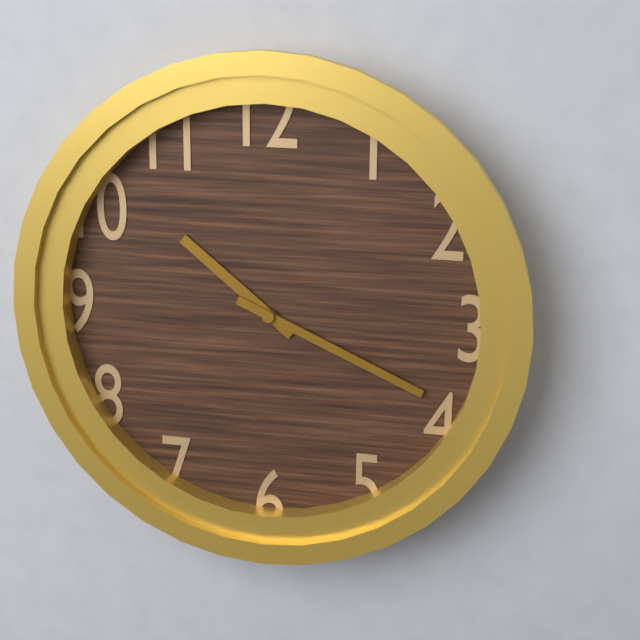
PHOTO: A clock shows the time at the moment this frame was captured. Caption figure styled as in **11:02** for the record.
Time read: **10:19**
